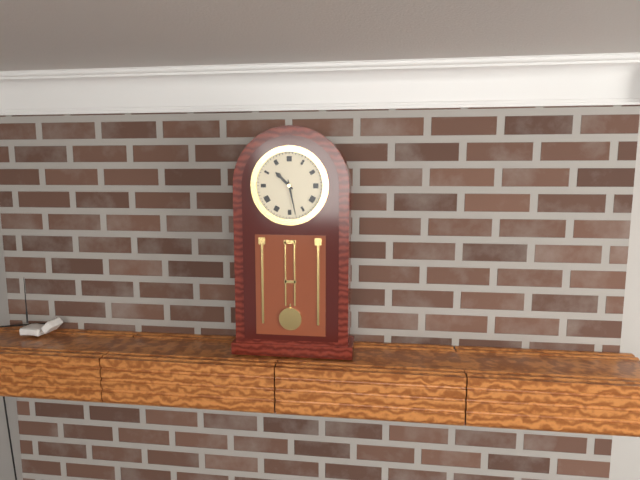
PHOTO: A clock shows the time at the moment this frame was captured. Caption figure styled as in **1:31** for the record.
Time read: **10:28**
